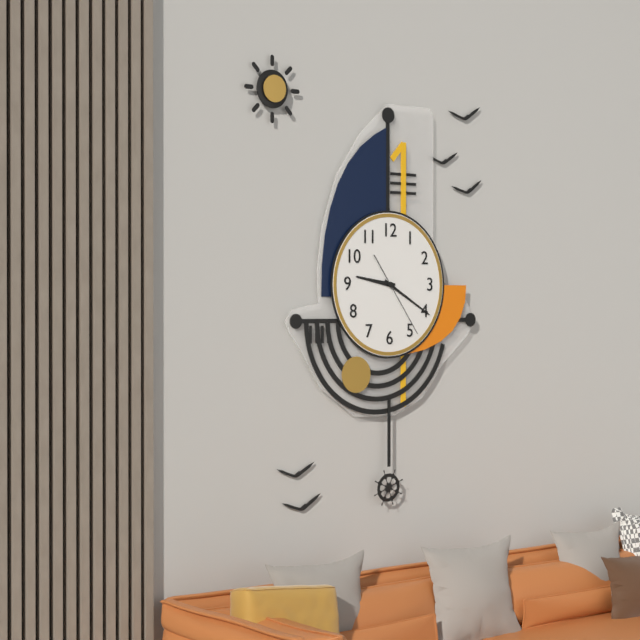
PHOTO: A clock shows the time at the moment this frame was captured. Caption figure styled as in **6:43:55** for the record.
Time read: **9:20:24**
